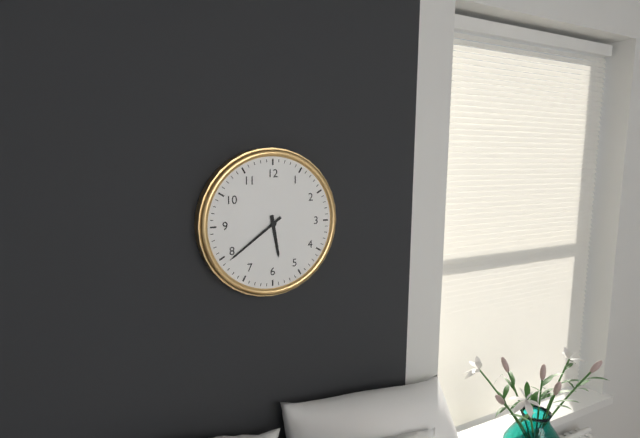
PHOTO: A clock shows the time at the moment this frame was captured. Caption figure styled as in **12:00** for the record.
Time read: **5:39**
